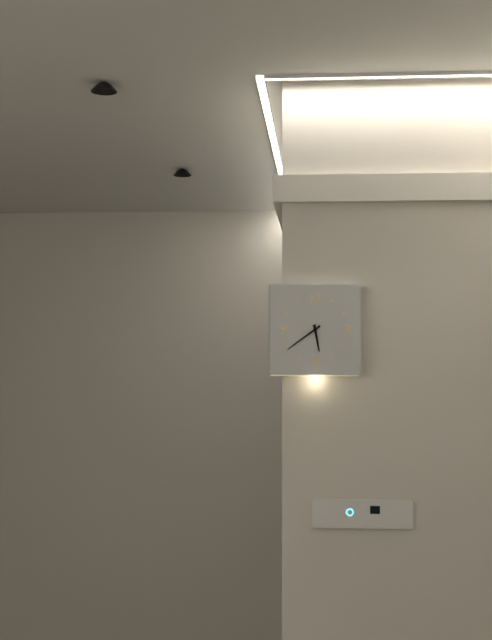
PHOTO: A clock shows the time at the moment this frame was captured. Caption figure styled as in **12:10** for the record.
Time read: **5:39**
